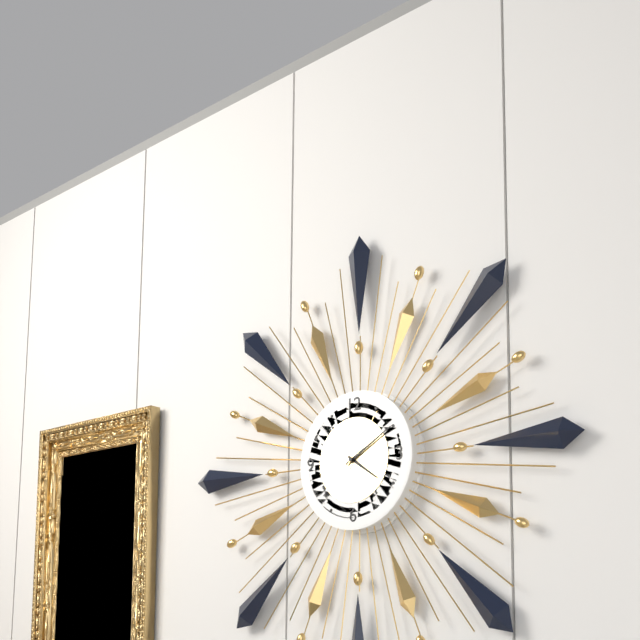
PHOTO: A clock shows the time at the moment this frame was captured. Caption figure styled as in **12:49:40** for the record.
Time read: **4:10:06**
